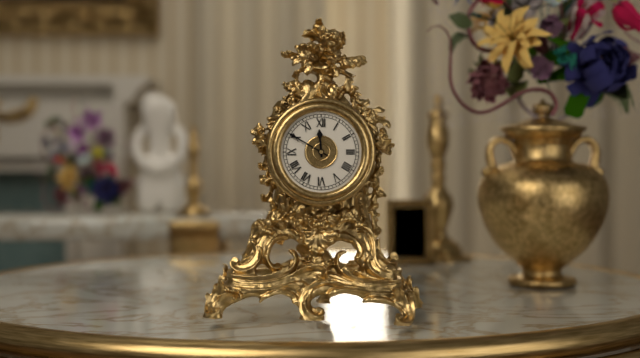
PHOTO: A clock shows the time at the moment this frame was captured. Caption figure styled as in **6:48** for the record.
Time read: **11:50**
